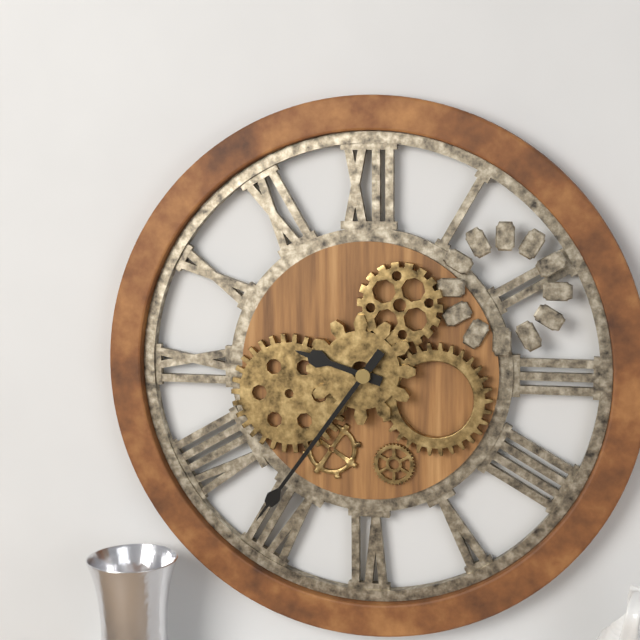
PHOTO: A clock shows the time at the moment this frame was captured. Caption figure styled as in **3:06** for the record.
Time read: **9:36**
